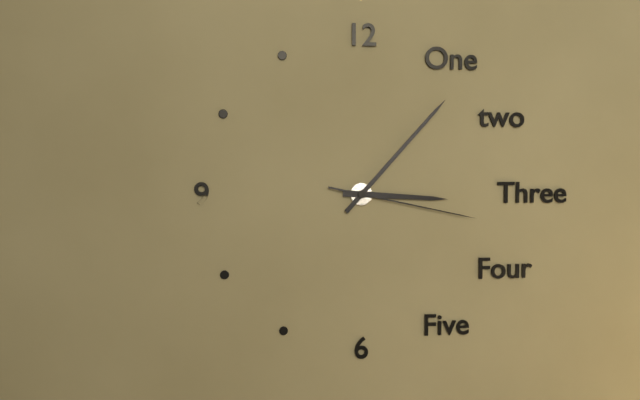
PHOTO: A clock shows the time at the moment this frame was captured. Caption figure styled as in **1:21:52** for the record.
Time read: **3:07:17**
